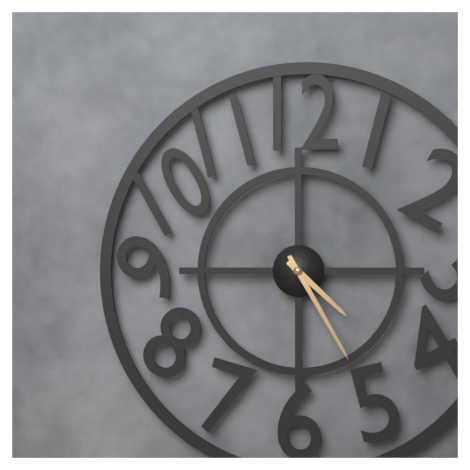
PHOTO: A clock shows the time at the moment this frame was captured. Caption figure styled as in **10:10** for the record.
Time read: **4:25**
